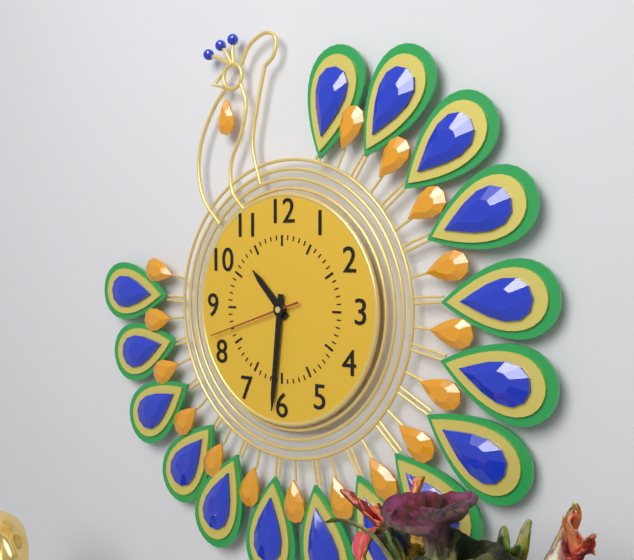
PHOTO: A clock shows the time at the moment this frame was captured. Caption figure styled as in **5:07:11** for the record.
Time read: **10:31:42**
